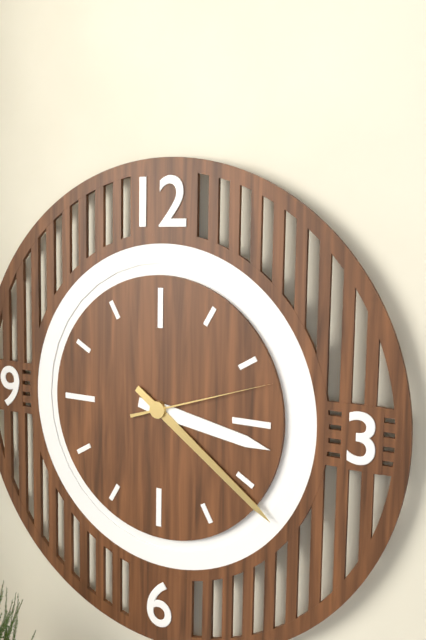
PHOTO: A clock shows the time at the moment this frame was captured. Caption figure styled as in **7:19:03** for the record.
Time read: **3:21:12**
